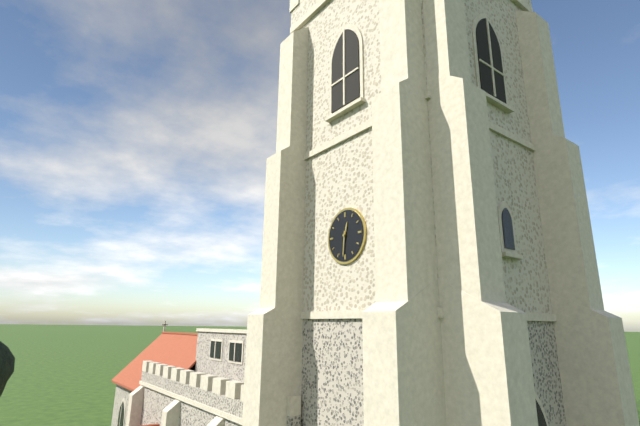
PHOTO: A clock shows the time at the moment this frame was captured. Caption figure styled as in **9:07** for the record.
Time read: **12:31**
